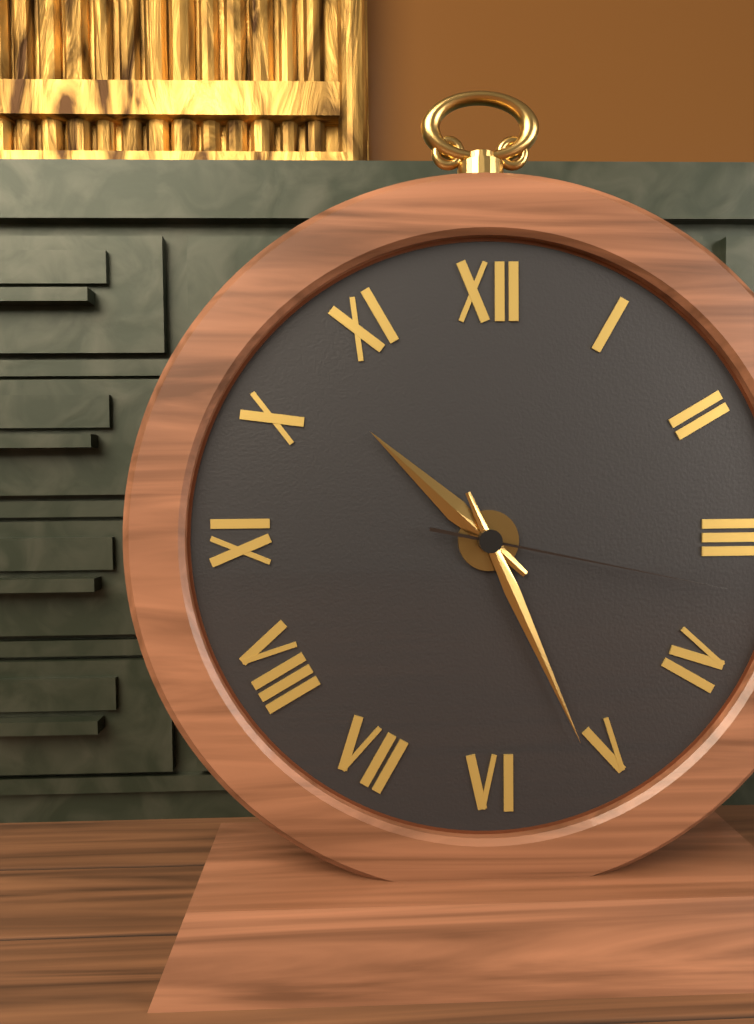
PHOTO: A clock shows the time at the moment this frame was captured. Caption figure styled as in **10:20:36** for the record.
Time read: **10:26:17**
